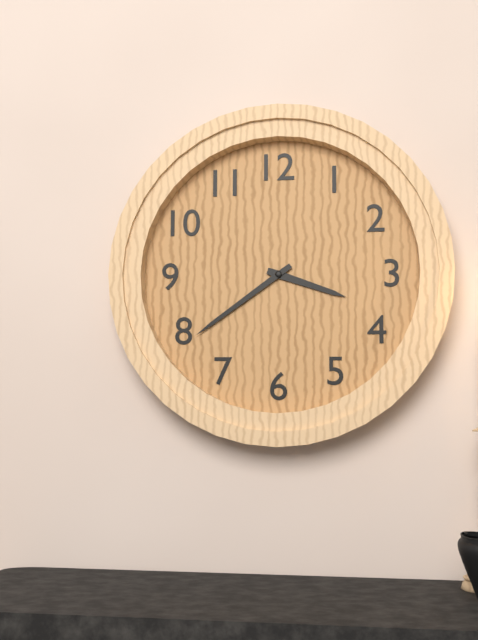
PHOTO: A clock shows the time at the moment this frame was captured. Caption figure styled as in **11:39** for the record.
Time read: **3:39**
